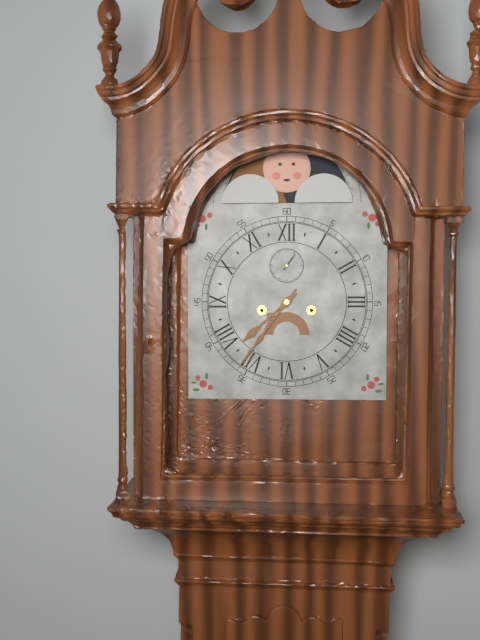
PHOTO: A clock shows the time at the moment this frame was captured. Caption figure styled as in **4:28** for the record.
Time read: **7:36**
